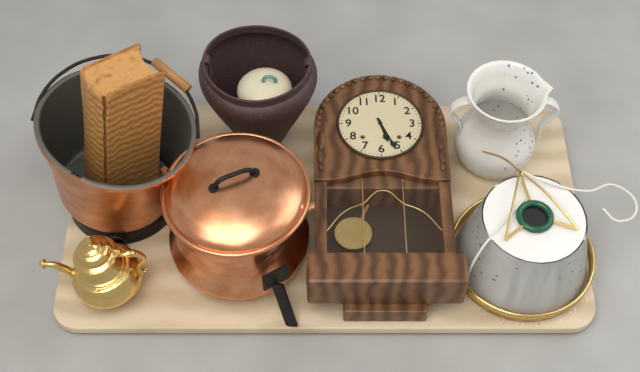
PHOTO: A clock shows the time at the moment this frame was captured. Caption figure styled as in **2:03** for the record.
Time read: **5:26**
